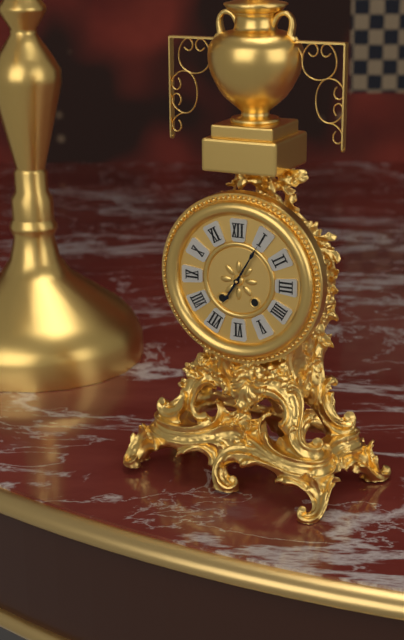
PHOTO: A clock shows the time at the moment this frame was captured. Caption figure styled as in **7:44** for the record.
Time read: **7:05**
